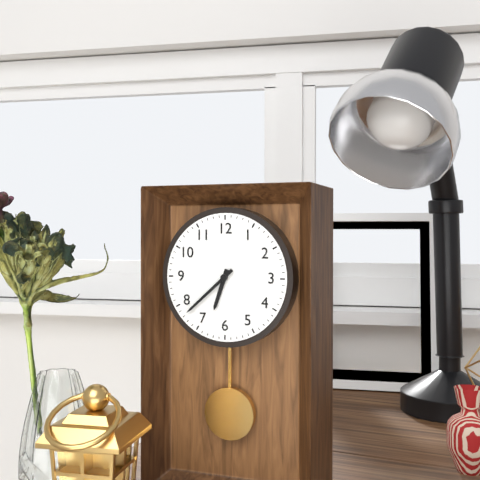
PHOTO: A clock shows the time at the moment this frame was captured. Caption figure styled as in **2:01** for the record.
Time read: **6:38**
